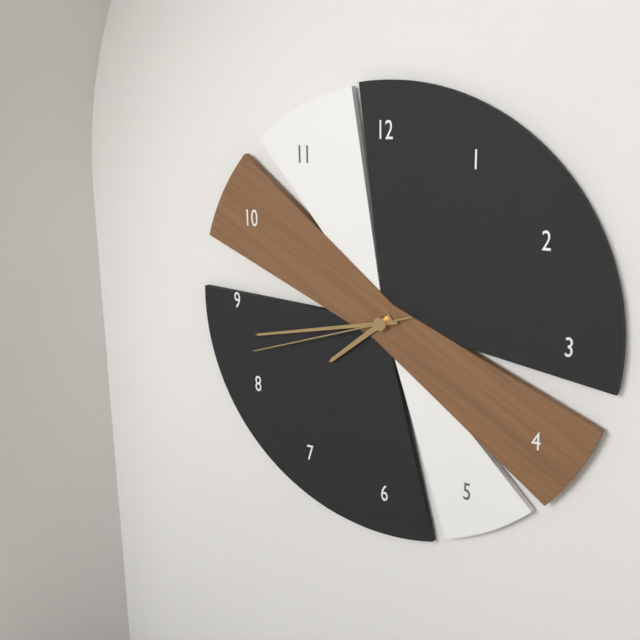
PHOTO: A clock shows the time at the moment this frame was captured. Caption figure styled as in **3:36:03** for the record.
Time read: **7:43:42**
